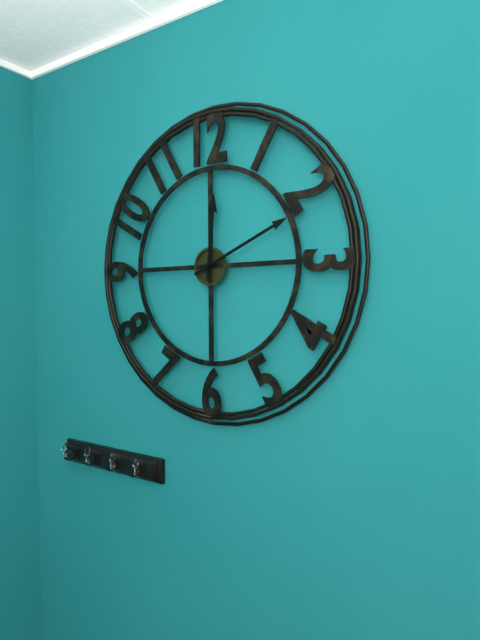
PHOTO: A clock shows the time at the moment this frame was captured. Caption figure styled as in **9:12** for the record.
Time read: **12:11**
